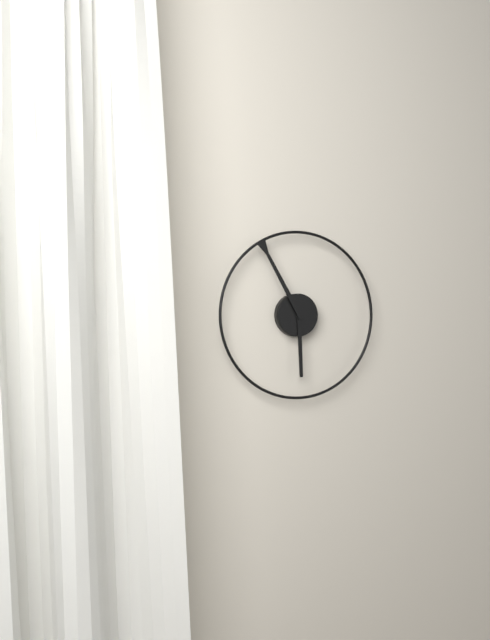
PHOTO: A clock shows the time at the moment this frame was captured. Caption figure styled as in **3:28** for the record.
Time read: **5:55**
